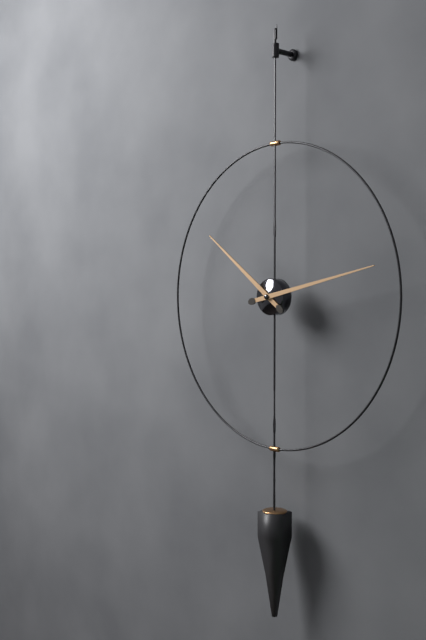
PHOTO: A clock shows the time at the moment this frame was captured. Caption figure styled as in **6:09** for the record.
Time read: **10:13**
